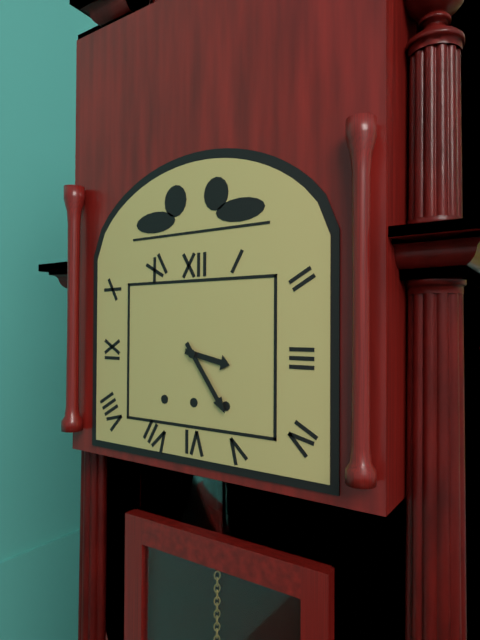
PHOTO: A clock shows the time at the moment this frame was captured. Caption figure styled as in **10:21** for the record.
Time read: **3:24**
